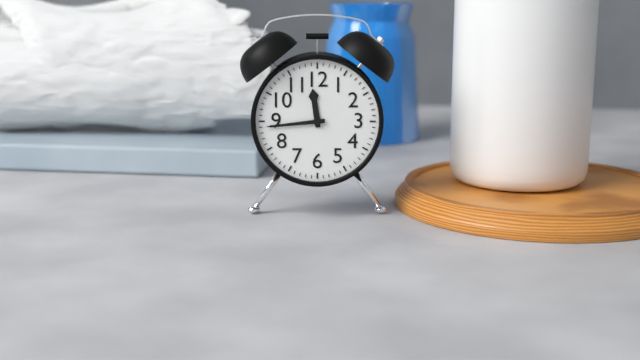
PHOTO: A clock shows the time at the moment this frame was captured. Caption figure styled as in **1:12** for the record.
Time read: **11:44**
